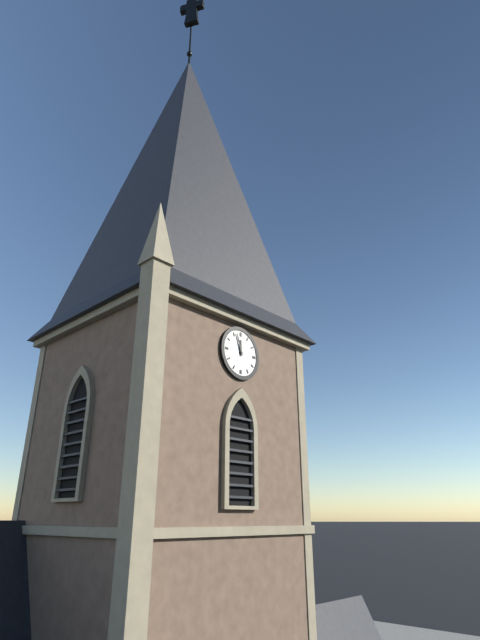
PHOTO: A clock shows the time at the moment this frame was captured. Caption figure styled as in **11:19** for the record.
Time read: **11:57**
